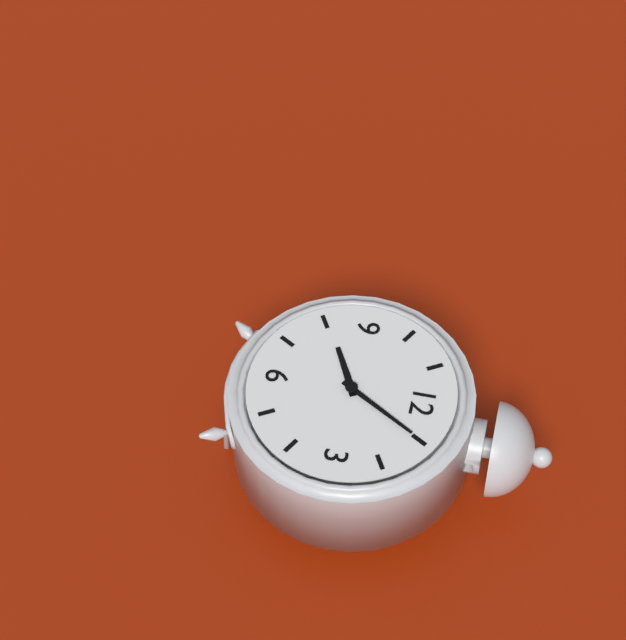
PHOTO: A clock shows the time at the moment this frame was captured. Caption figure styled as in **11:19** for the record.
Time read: **8:05**
